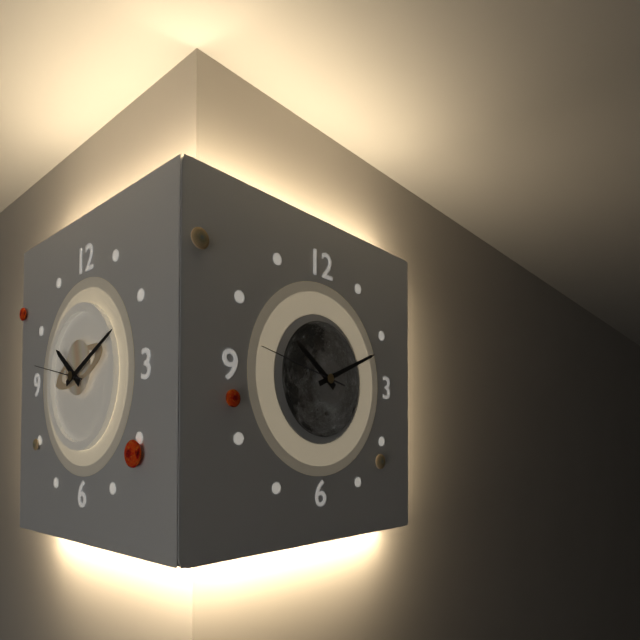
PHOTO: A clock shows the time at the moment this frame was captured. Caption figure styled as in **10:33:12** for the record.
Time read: **10:11:47**
